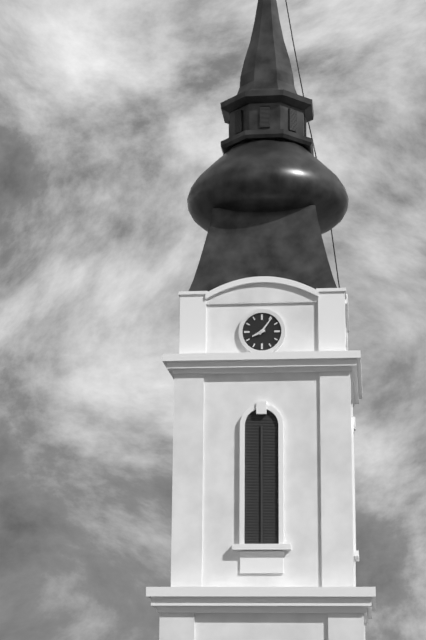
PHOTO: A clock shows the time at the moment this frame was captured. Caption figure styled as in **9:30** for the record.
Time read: **8:06**
